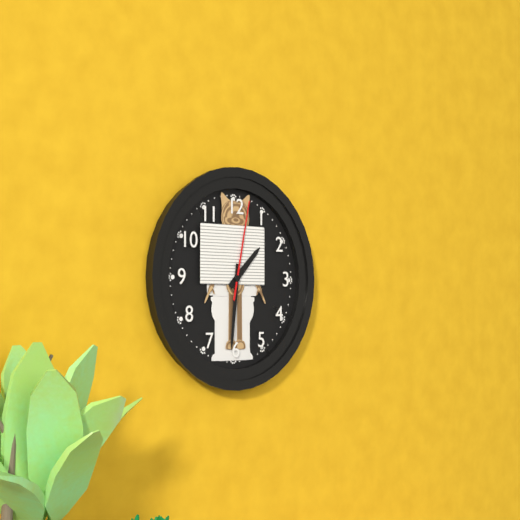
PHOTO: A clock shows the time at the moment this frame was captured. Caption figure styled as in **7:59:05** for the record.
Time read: **1:31:02**
